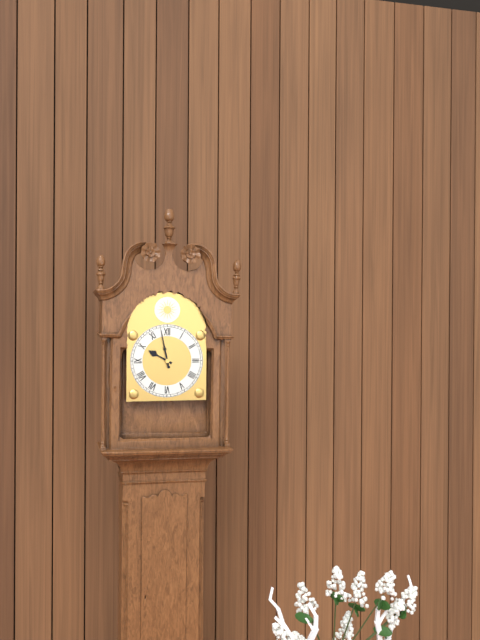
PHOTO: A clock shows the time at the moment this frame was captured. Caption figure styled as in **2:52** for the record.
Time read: **9:58**
